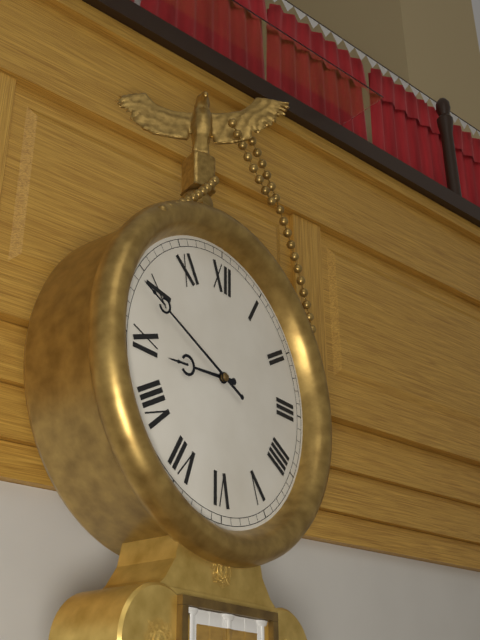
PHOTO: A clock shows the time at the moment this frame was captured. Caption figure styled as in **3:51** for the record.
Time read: **8:49**
